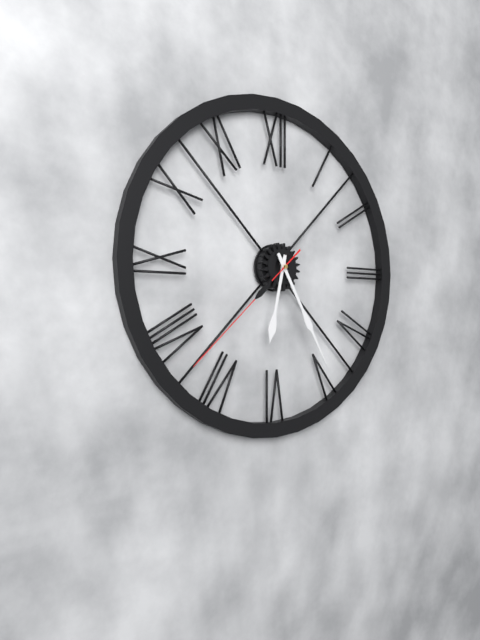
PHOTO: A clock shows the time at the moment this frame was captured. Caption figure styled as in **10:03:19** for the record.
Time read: **6:25:38**
